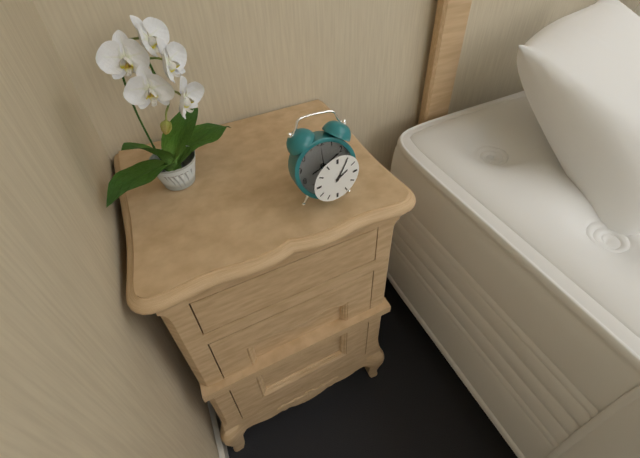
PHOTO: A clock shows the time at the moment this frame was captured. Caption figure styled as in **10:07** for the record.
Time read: **2:05**
